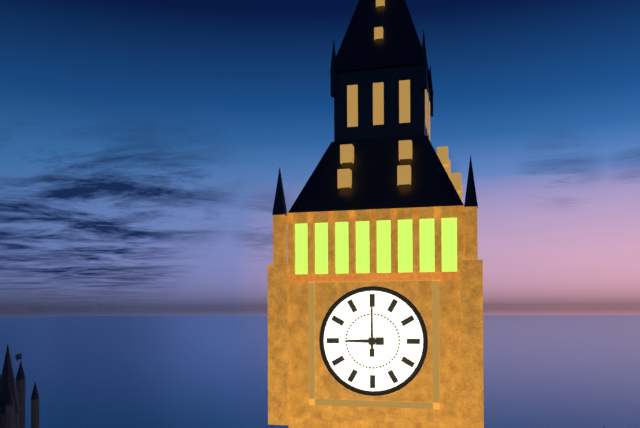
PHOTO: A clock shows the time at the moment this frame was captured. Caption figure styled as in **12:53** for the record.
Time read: **9:00**
